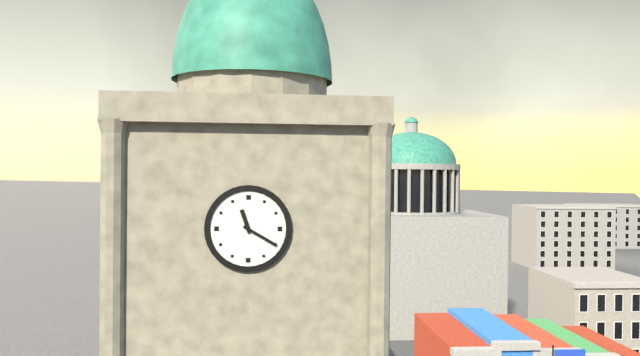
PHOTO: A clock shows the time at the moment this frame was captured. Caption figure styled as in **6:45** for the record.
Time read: **11:20**
